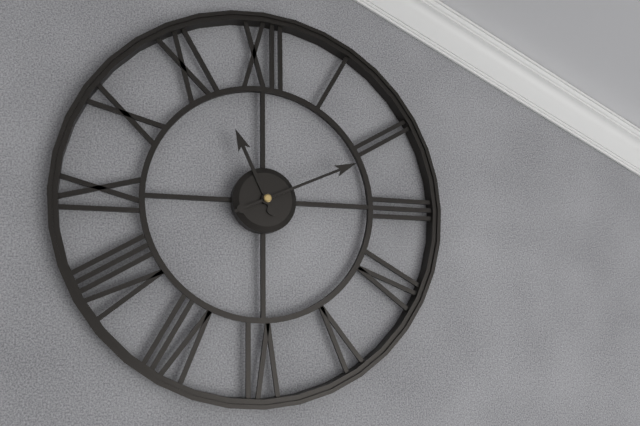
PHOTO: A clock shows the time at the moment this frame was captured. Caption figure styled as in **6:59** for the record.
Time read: **11:11**
